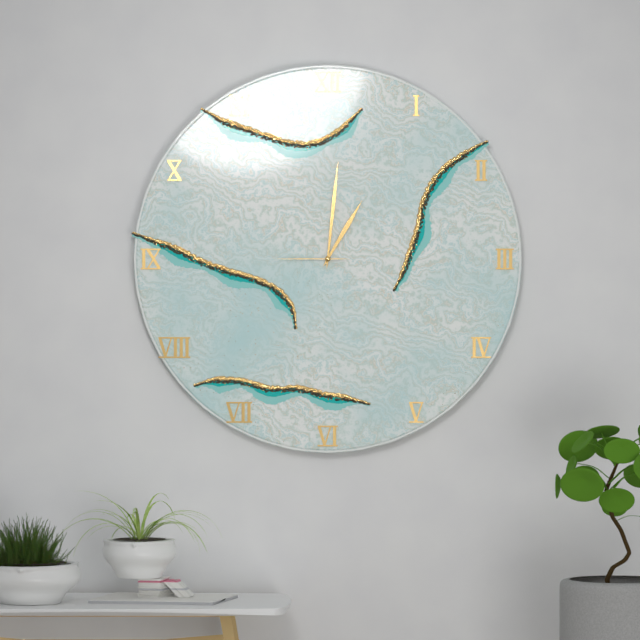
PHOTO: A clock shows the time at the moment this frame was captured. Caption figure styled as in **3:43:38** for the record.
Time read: **1:01:45**
